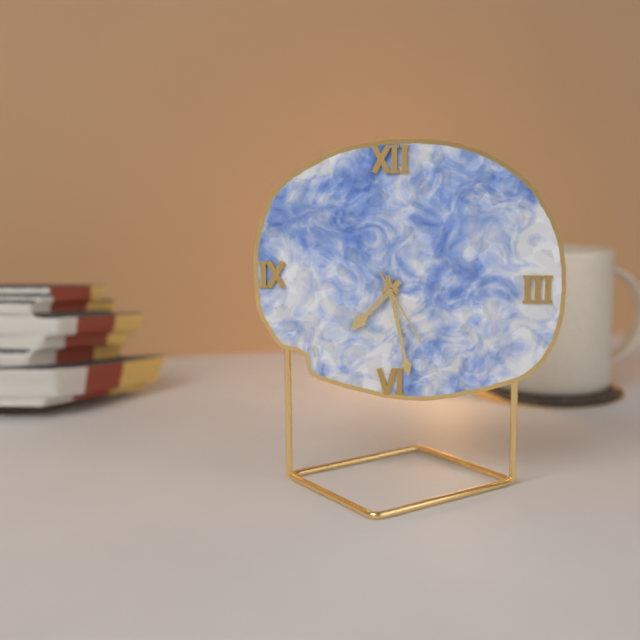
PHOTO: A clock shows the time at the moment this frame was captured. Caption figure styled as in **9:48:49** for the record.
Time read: **7:28:25**
